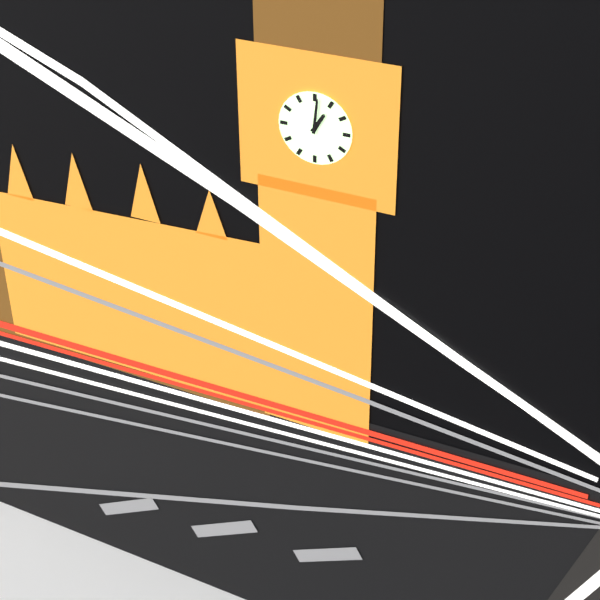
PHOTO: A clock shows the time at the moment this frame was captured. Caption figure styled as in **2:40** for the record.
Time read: **1:01**
